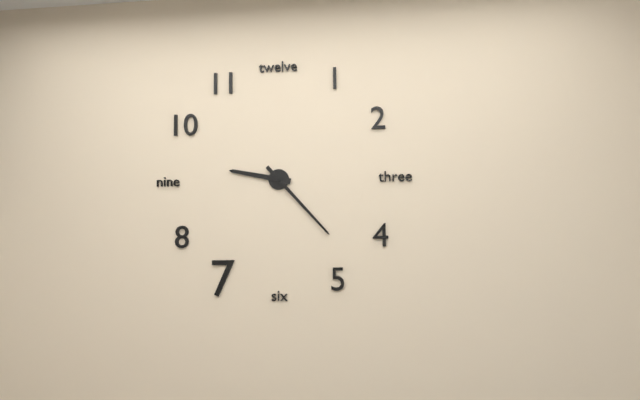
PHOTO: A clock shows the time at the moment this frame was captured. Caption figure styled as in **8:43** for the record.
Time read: **9:23**
